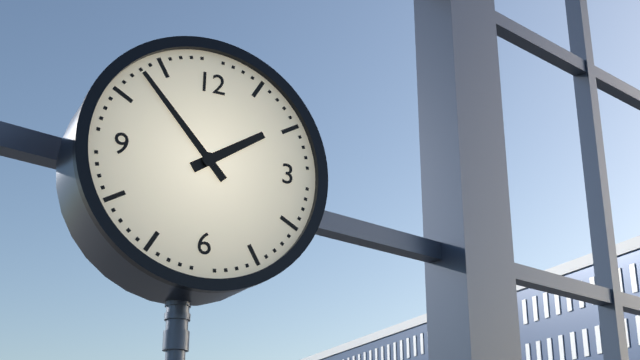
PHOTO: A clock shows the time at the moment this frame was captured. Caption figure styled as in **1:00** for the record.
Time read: **1:53**
